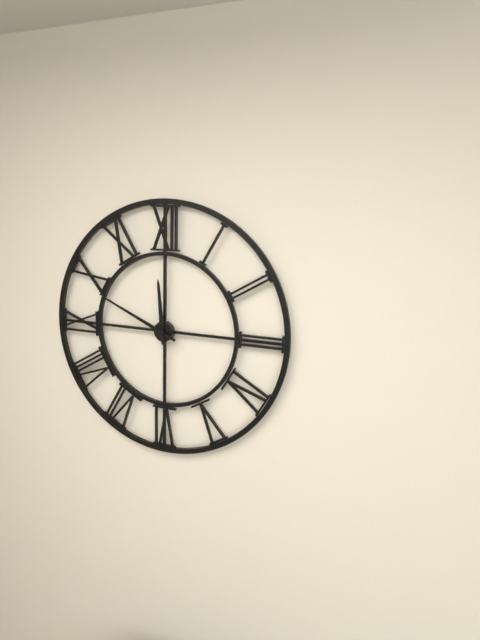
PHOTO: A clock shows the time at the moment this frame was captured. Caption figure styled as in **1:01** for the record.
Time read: **11:49**
